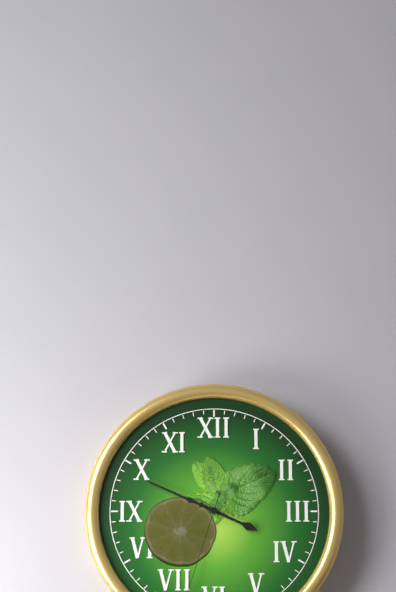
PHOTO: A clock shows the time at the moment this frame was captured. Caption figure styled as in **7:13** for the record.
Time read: **3:49**
